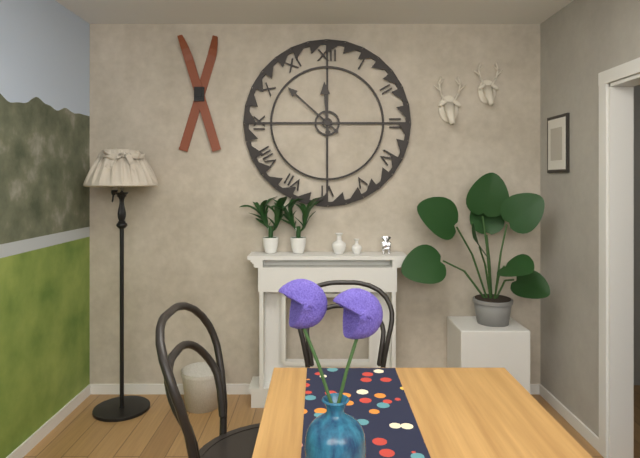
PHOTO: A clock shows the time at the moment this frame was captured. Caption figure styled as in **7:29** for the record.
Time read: **11:52**
